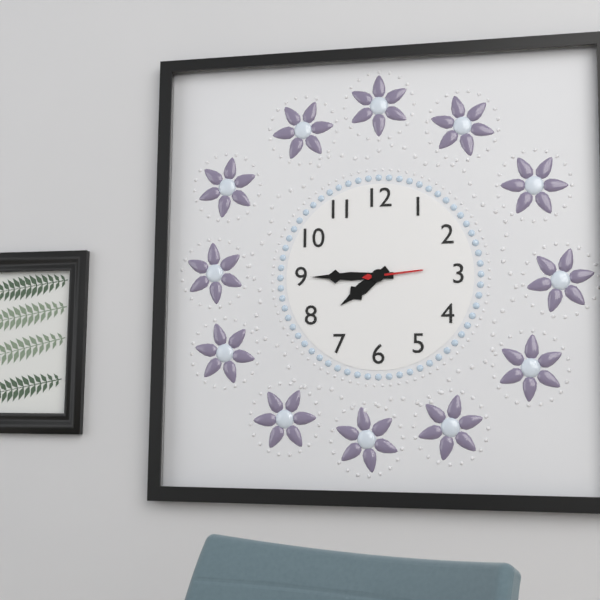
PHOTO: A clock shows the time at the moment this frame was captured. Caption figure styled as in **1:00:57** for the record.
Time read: **7:45:14**
